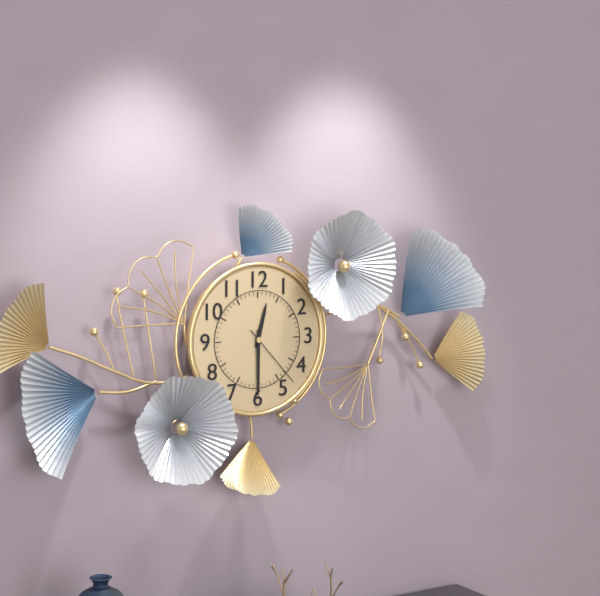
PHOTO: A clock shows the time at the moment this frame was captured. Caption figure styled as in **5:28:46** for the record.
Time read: **12:30:23**
